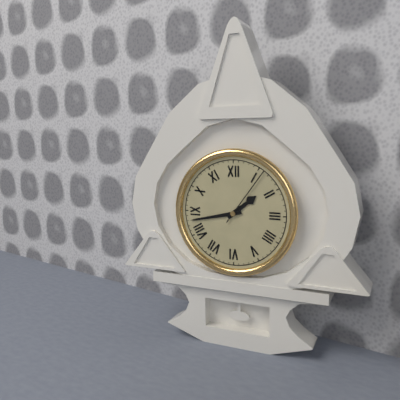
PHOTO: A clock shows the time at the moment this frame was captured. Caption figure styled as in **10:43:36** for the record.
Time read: **1:43:06**
